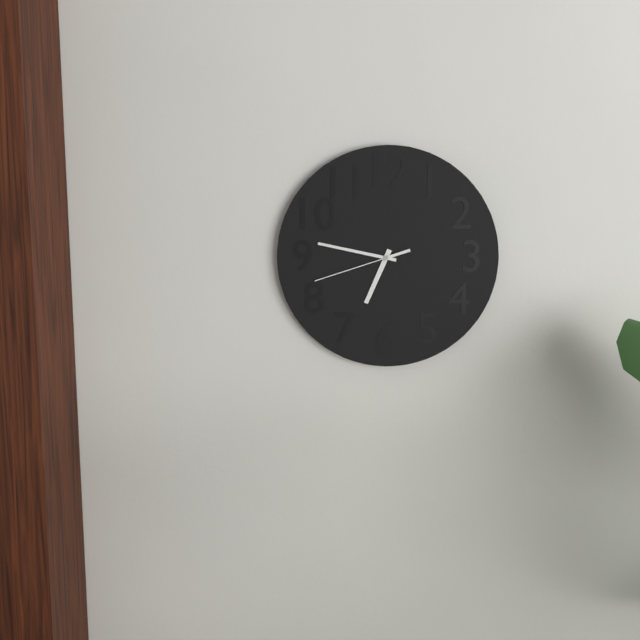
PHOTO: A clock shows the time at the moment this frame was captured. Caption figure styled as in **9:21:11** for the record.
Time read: **6:47:42**
